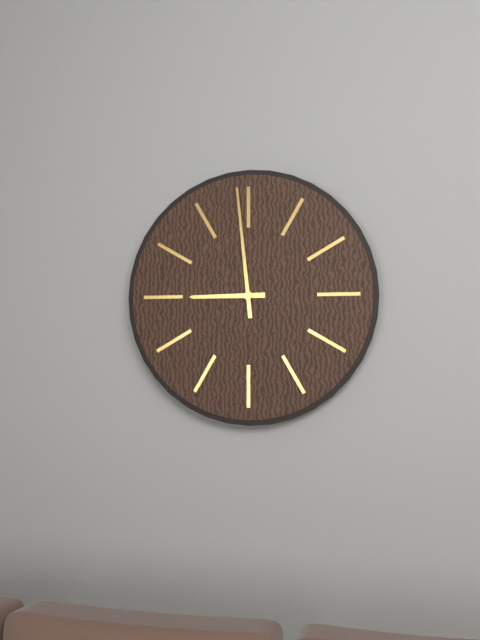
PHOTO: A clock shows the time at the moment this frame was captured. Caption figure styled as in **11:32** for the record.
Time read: **8:59**
